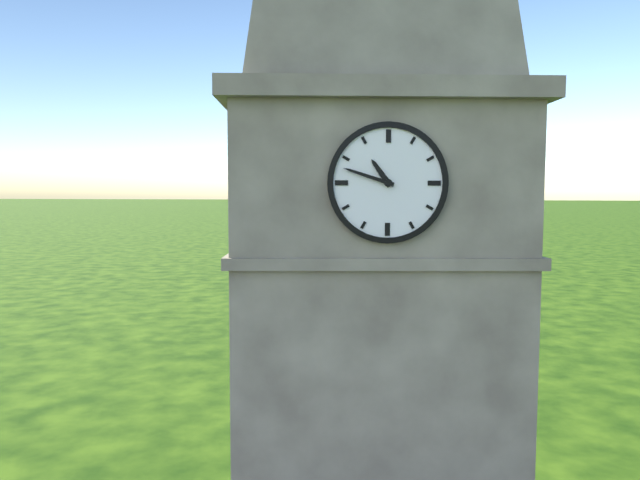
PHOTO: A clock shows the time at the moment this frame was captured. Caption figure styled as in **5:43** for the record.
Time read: **10:48**
